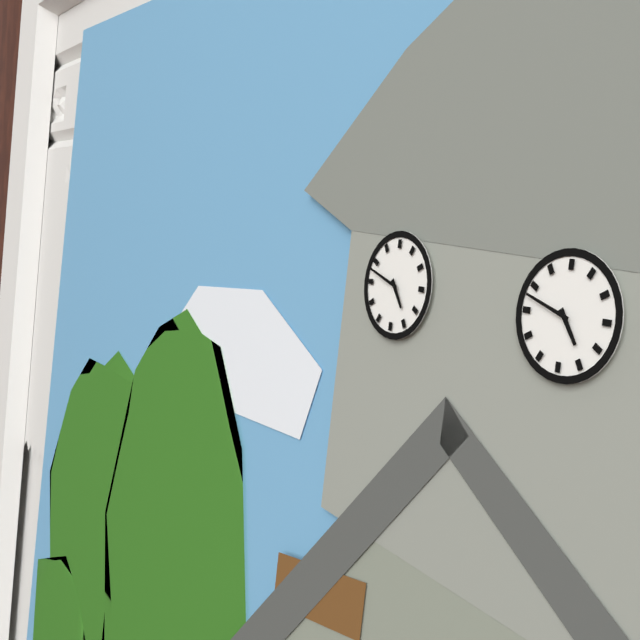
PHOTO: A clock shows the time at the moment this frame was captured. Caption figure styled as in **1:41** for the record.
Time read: **4:48**
